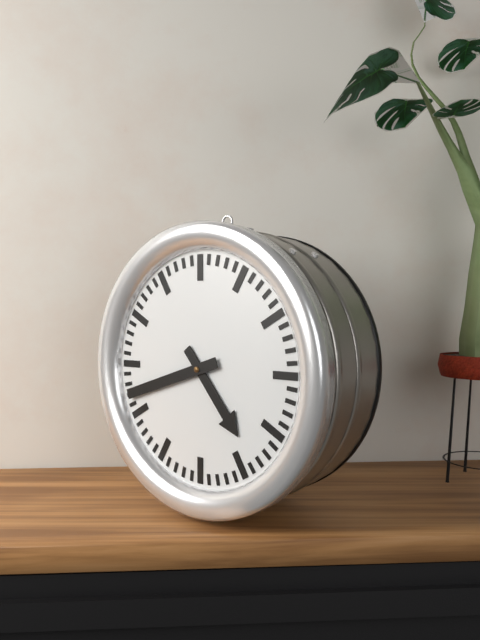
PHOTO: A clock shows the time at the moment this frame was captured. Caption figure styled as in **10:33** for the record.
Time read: **4:42**
